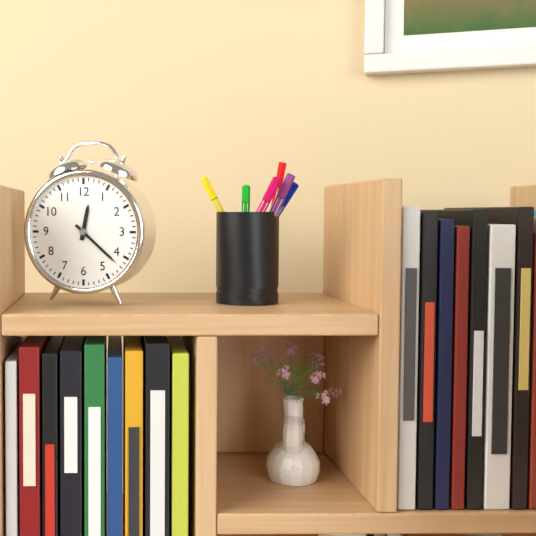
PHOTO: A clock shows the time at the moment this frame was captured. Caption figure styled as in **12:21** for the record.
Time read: **12:22**
